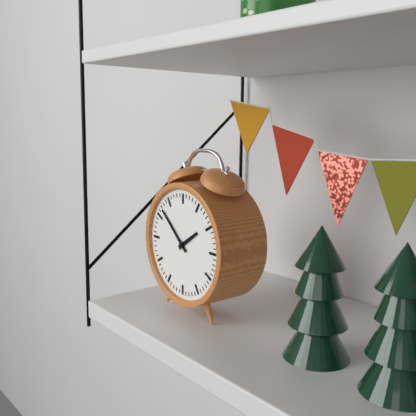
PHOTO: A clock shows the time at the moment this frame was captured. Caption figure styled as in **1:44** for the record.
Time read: **1:52**
